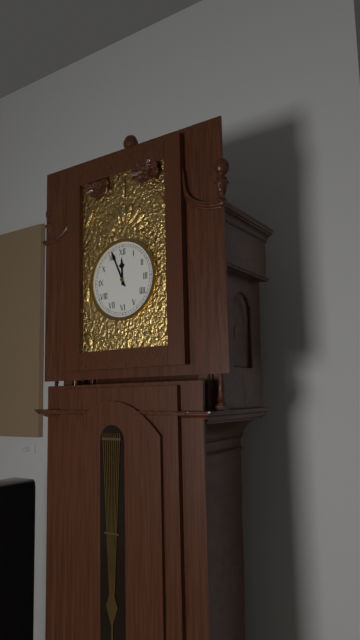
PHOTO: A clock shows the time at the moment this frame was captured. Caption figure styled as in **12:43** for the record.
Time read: **11:56**
